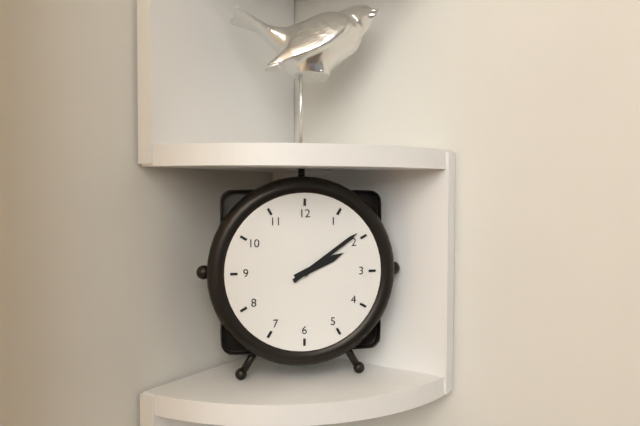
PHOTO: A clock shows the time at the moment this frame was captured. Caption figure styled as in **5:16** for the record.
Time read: **2:09**
